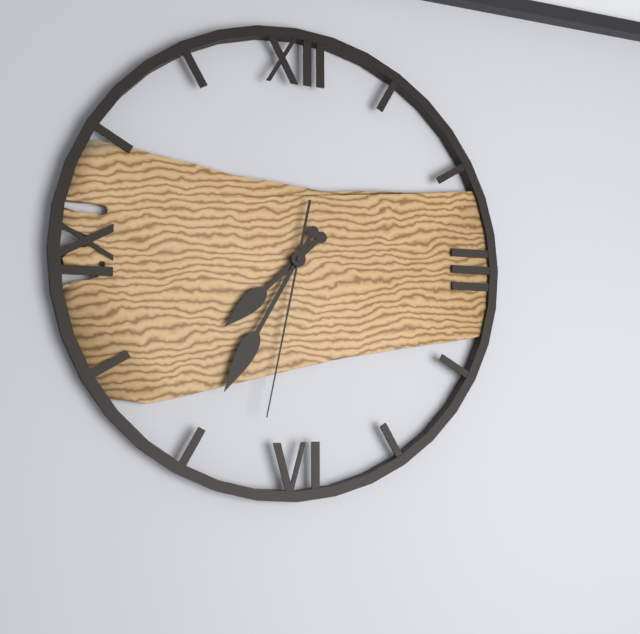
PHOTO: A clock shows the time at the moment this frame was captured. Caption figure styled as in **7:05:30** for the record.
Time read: **7:35:32**
